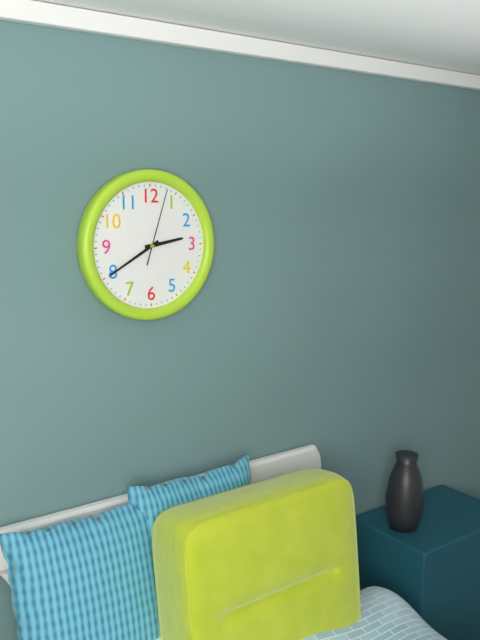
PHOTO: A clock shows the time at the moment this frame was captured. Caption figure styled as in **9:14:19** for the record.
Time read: **2:40:03**
